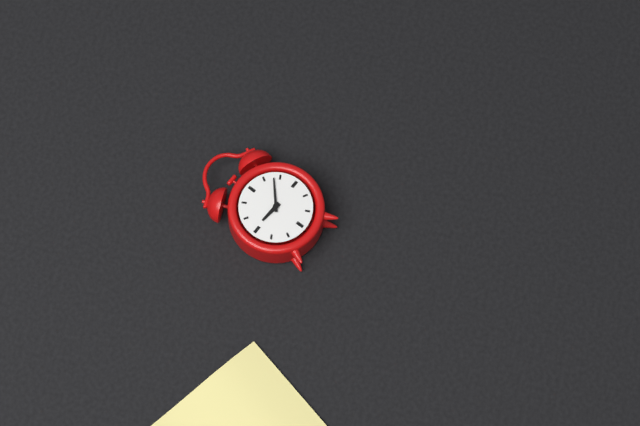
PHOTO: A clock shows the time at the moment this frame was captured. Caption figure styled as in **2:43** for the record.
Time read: **9:08**
